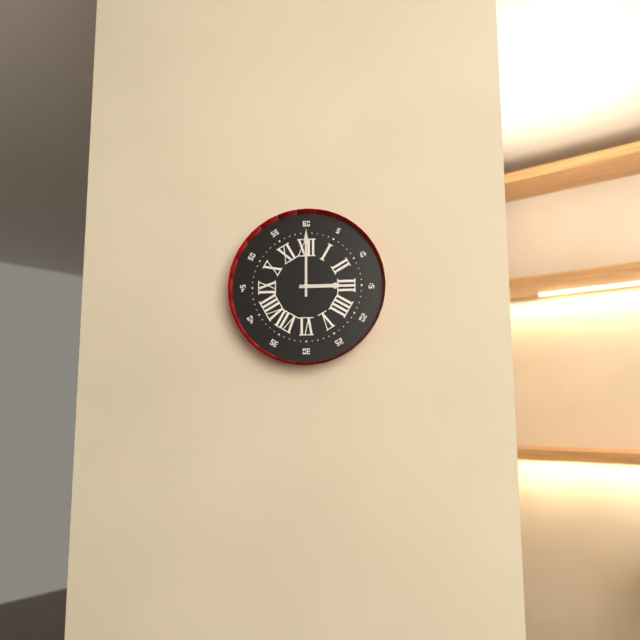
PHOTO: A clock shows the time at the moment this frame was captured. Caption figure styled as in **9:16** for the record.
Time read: **3:00**
